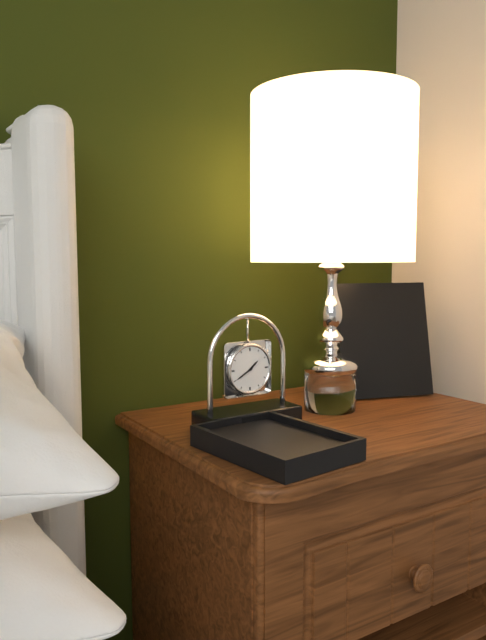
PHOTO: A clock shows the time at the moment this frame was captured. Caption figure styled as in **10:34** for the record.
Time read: **1:40**
